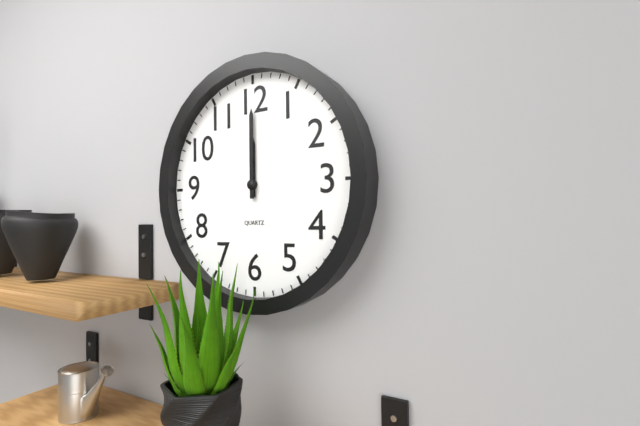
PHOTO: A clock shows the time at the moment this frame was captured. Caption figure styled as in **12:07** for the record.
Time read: **12:00**
